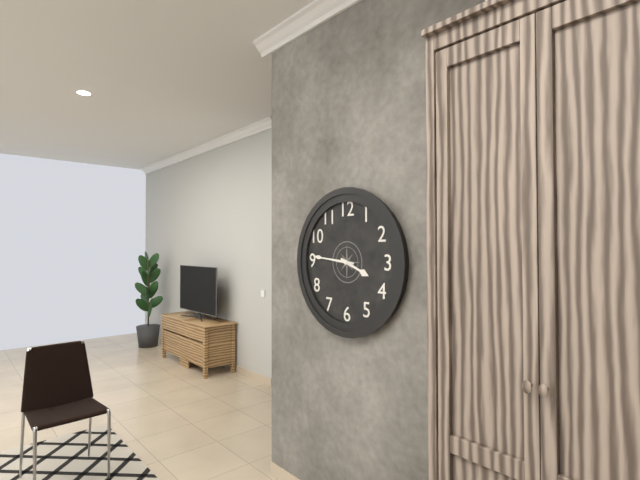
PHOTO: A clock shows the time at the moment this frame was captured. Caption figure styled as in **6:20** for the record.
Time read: **3:46**
